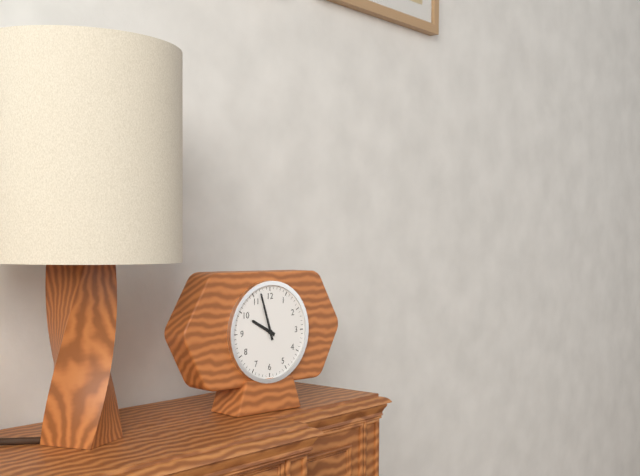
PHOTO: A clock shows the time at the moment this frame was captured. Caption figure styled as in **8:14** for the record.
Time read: **9:57**
